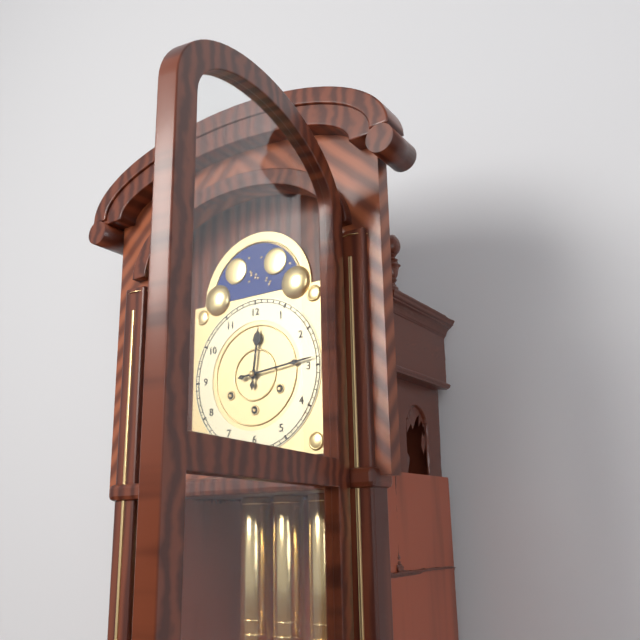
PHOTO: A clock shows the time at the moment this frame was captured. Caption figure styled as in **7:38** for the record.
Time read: **12:14**
